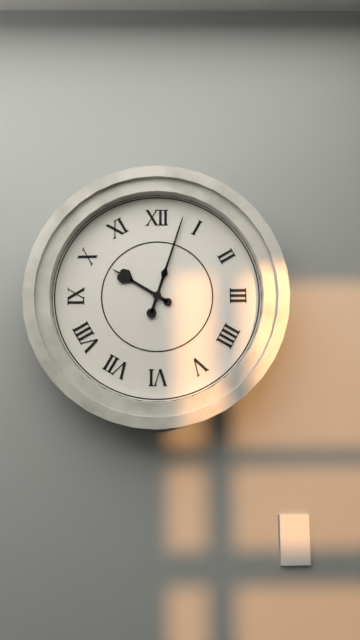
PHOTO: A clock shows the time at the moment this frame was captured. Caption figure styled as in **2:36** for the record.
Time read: **10:03**
